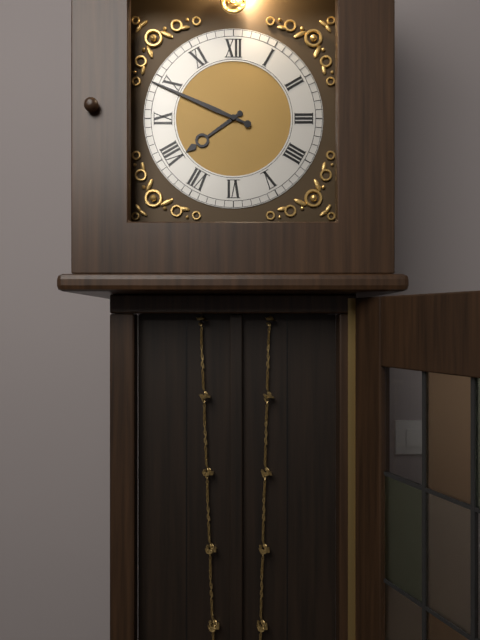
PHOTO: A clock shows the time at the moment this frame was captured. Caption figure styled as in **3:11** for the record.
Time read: **7:49**
